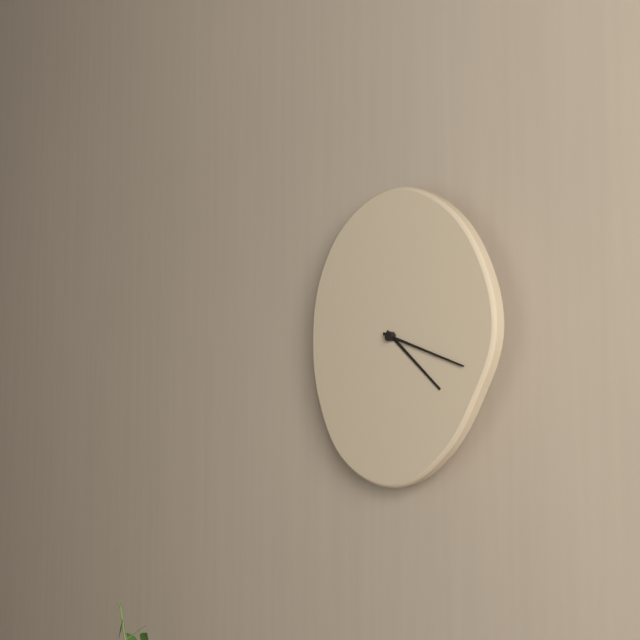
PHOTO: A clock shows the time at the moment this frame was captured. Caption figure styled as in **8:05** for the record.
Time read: **4:18**
